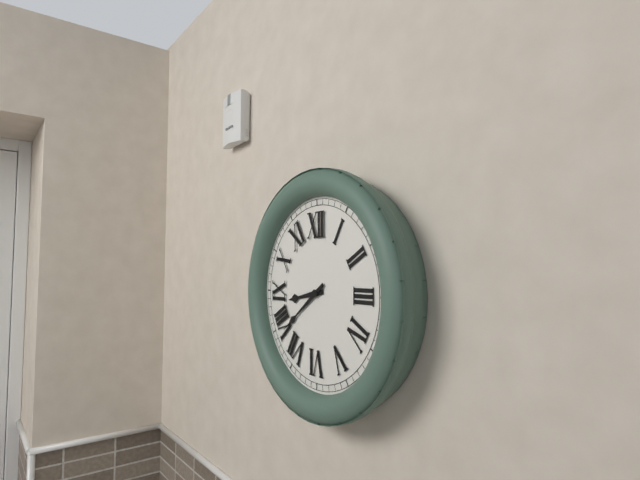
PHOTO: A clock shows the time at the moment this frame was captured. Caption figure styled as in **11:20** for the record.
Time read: **8:39**
